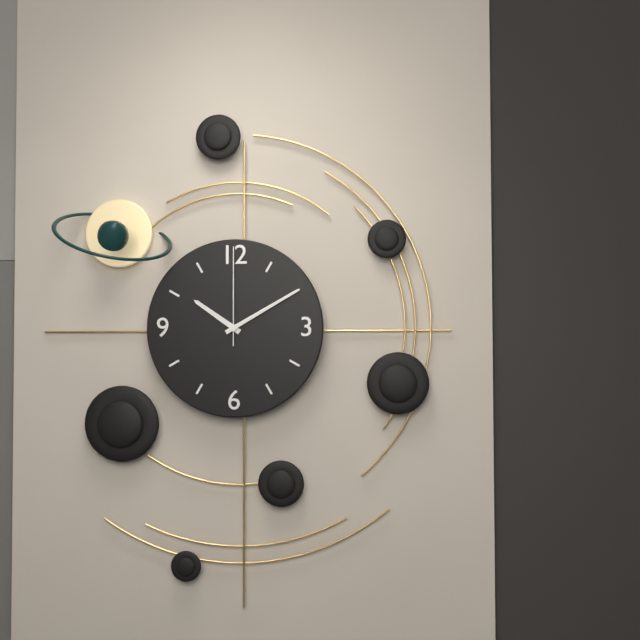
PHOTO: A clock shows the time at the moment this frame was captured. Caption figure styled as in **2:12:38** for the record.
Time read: **10:10:00**
